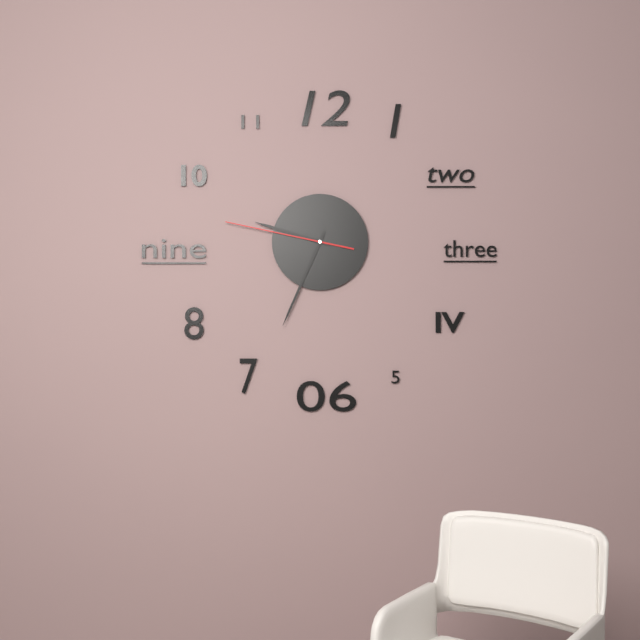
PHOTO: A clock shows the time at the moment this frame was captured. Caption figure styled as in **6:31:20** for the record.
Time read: **9:34:47**
